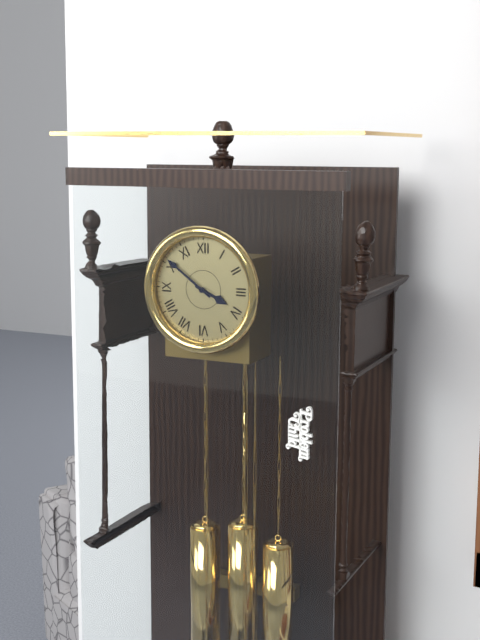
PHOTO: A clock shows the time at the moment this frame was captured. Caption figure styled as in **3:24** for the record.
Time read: **3:51**
